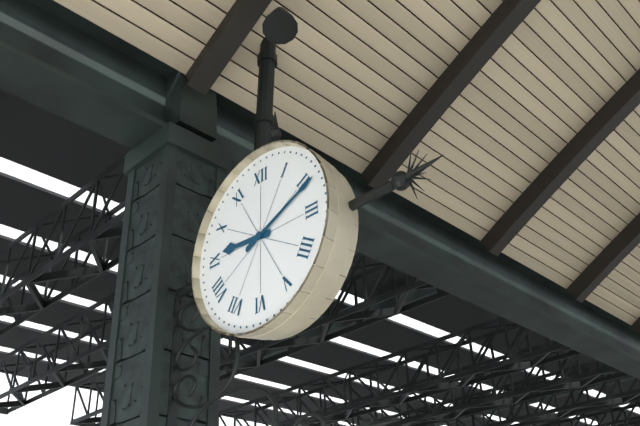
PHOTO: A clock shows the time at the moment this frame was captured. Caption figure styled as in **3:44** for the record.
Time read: **9:11**
